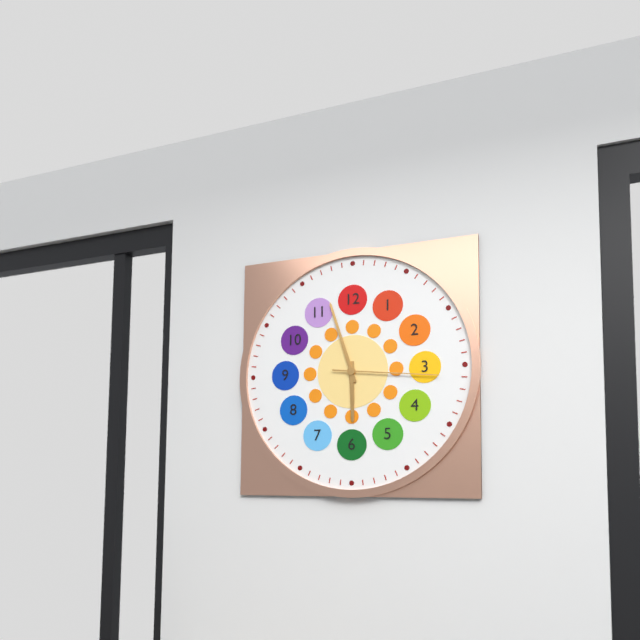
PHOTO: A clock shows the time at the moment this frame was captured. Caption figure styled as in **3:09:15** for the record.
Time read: **5:57:16**
